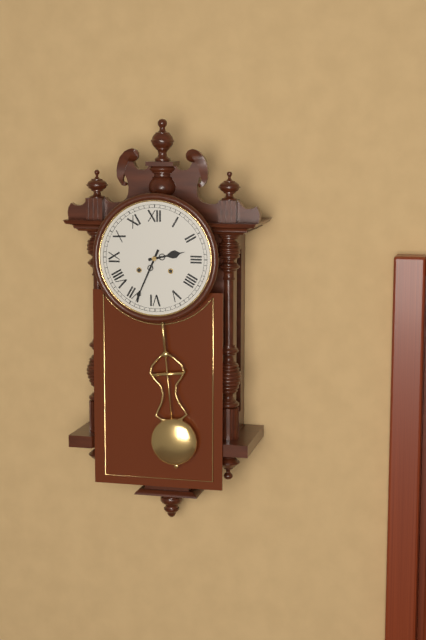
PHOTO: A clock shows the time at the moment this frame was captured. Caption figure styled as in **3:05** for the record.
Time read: **2:34**
